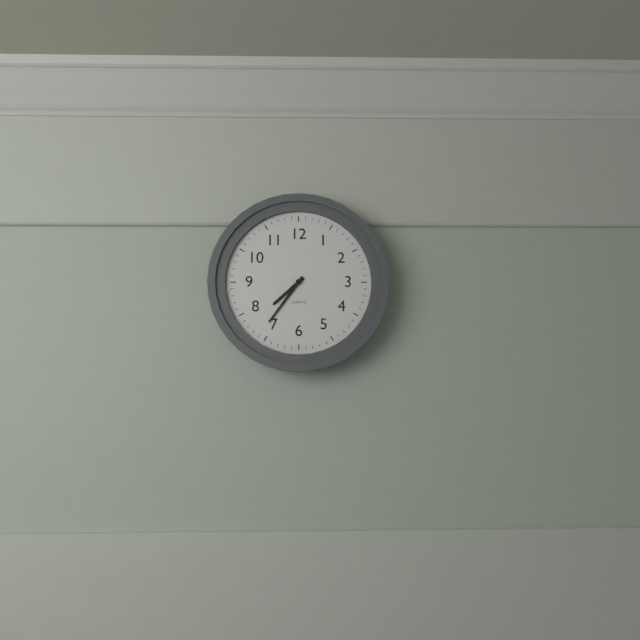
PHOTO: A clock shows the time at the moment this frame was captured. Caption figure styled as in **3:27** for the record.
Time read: **7:36**
